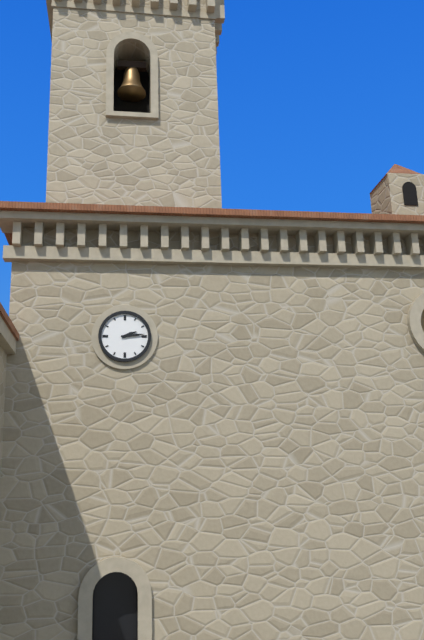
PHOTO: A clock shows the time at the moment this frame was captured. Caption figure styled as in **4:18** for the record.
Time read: **2:14**
